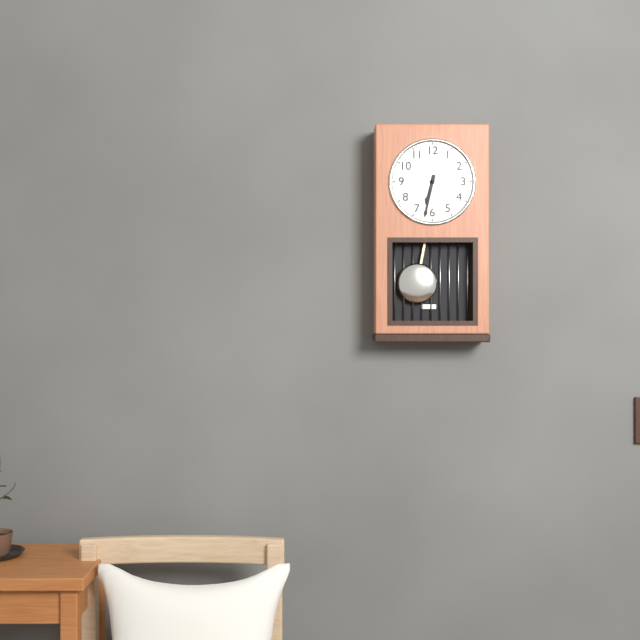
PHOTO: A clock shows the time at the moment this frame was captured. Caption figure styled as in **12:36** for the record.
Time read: **6:32**
